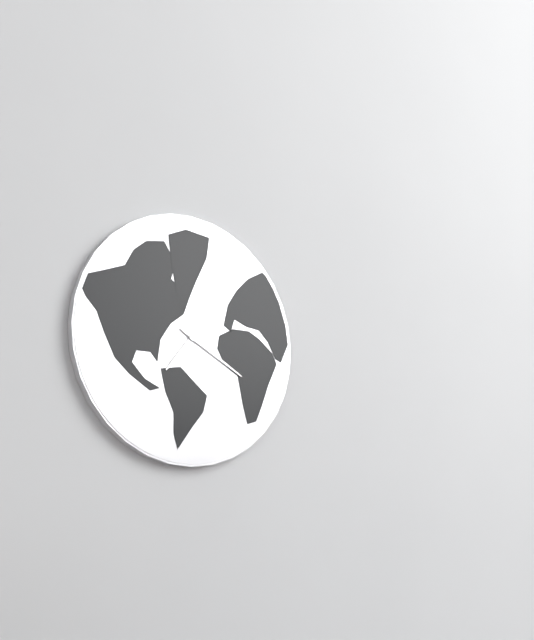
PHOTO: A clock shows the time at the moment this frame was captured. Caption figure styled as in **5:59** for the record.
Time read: **7:20**
